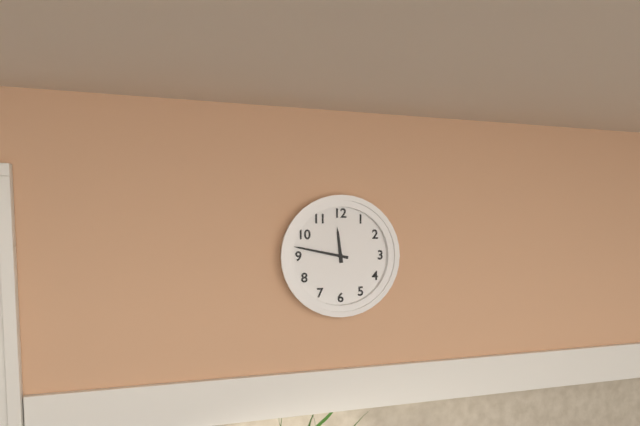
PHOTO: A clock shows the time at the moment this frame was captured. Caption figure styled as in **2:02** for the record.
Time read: **11:47**
